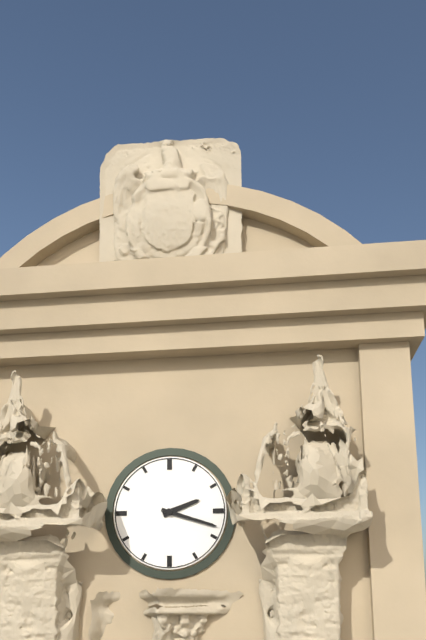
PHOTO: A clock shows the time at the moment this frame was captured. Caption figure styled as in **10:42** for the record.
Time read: **2:18**
